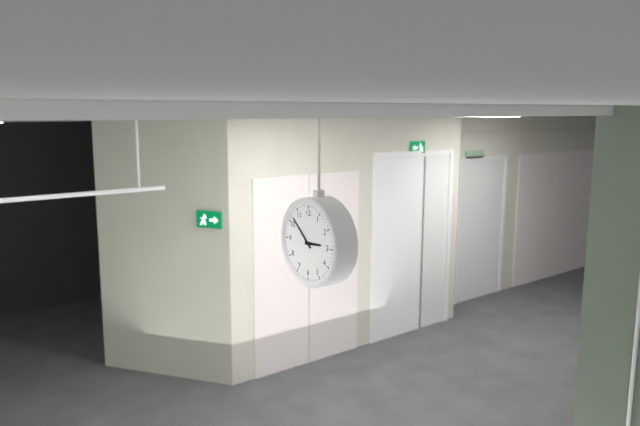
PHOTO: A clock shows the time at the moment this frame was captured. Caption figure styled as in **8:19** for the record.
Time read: **2:52**
